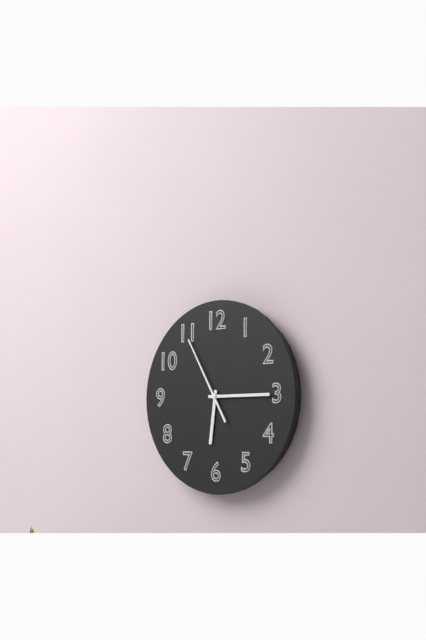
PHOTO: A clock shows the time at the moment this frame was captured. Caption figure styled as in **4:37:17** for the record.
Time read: **6:15:55**
